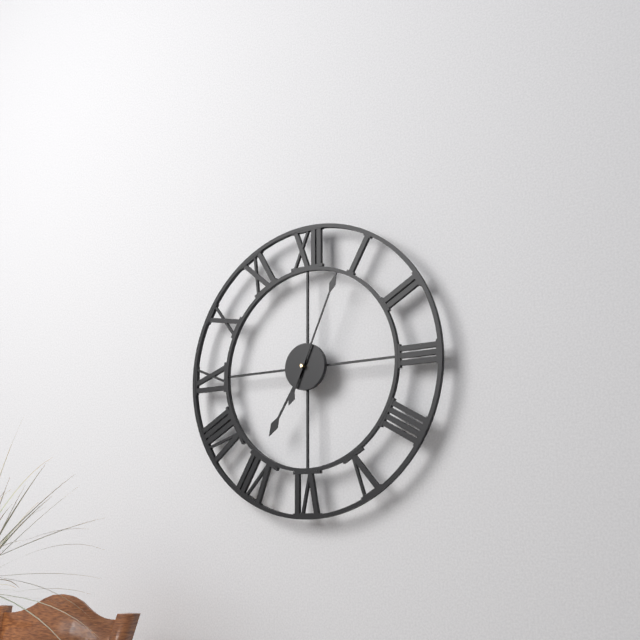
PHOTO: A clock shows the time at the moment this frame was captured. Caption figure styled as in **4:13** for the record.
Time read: **7:04**
